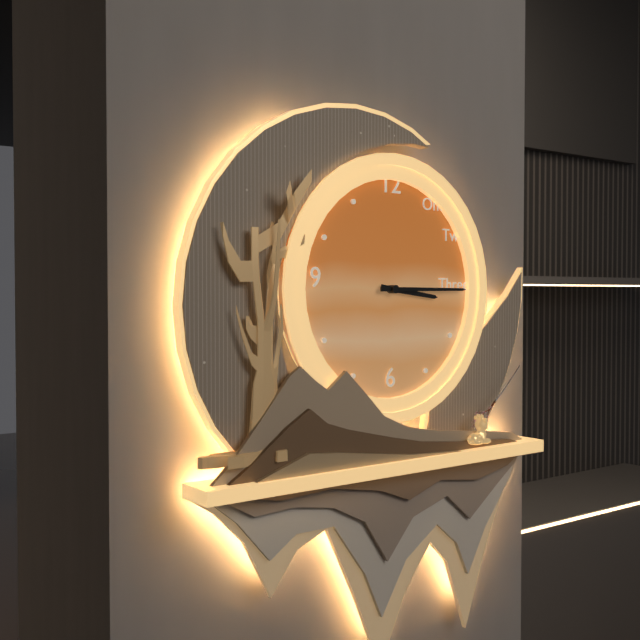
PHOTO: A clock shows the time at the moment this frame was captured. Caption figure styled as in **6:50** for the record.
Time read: **3:15**
